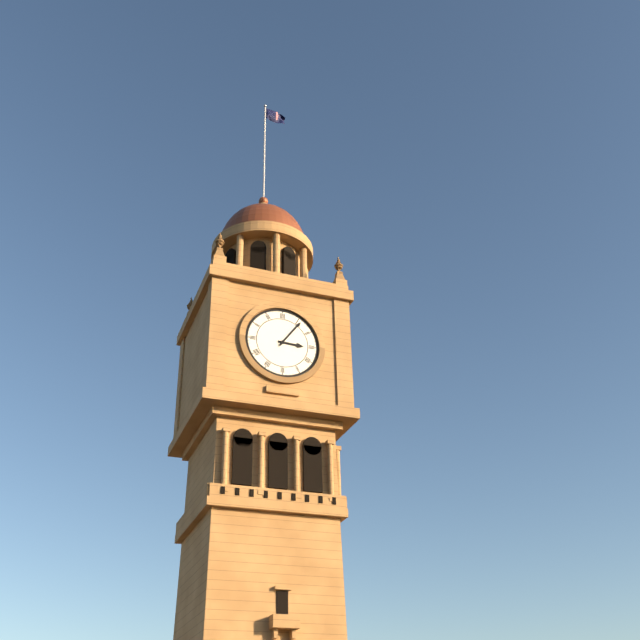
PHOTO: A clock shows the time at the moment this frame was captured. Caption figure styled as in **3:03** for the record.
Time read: **3:06**
